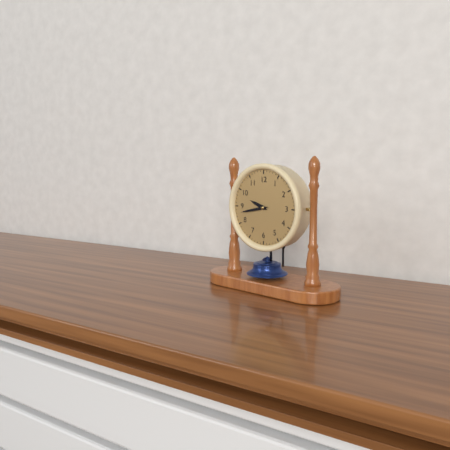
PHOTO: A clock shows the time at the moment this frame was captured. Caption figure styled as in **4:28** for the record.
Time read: **9:43**
